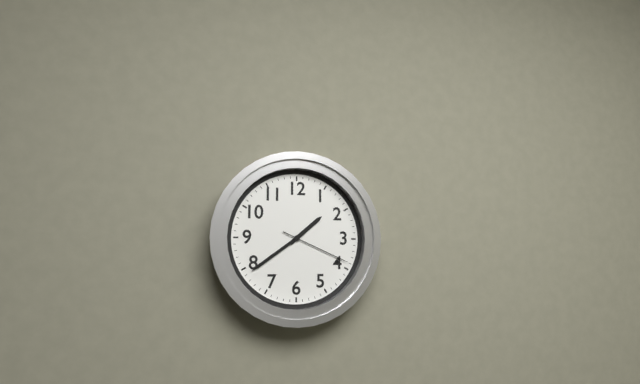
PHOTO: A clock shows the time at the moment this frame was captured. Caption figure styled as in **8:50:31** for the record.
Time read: **1:39:19**
